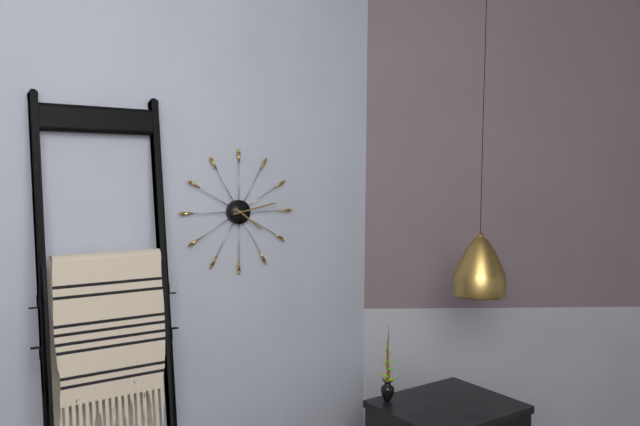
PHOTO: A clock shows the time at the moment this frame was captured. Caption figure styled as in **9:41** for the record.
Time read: **4:13**
